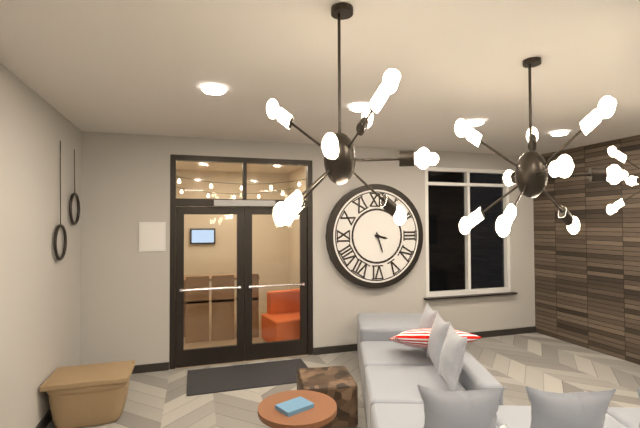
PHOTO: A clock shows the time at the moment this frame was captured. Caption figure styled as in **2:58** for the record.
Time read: **3:27**
